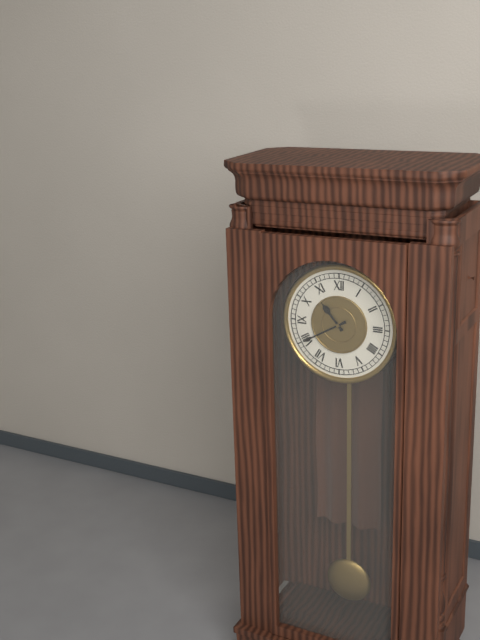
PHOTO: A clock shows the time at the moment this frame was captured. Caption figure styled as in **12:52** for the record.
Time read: **10:40**
